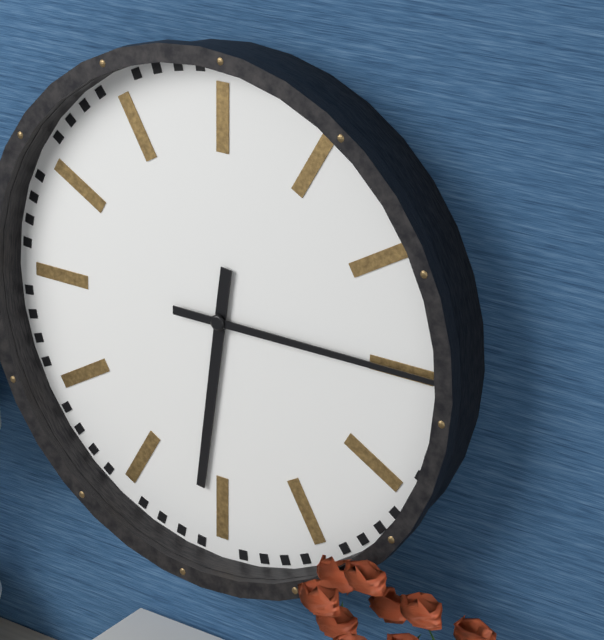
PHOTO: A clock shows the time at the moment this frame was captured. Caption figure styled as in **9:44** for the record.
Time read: **6:15**
